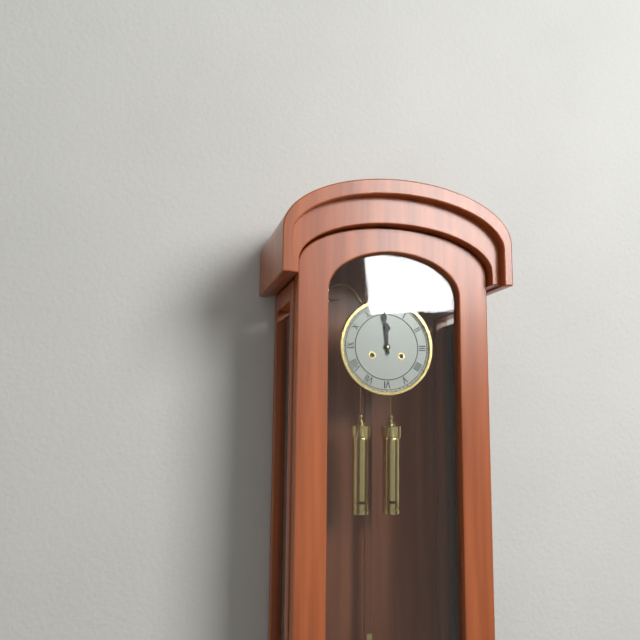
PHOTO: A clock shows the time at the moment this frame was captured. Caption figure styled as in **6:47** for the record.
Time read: **11:59**
